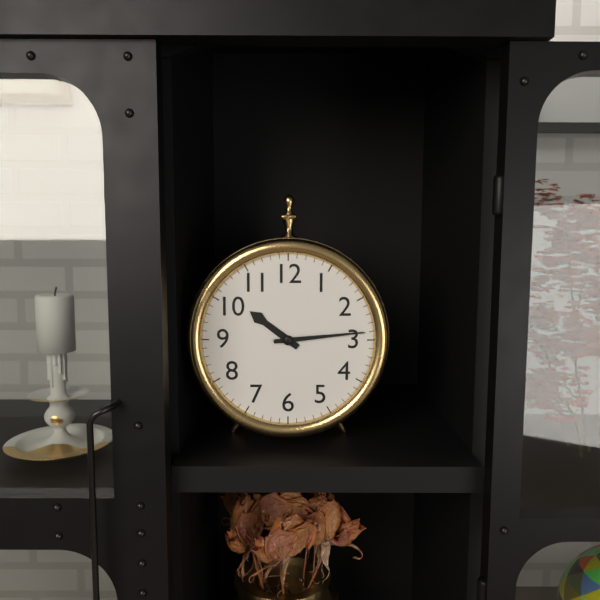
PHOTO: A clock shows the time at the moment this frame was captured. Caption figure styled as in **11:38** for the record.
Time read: **10:14**
